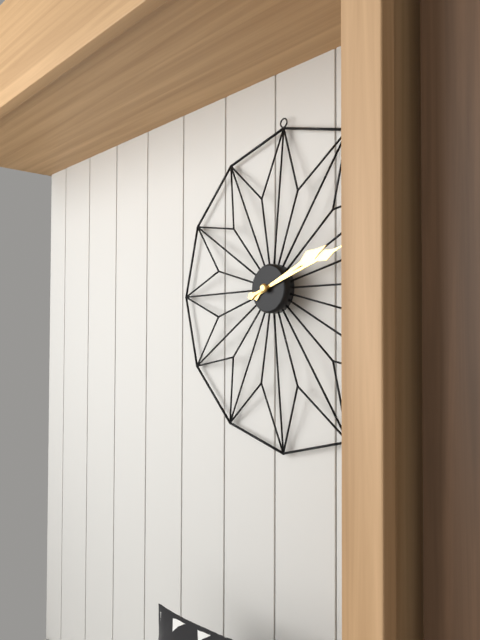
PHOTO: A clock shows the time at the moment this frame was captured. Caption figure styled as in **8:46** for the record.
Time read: **2:12**
